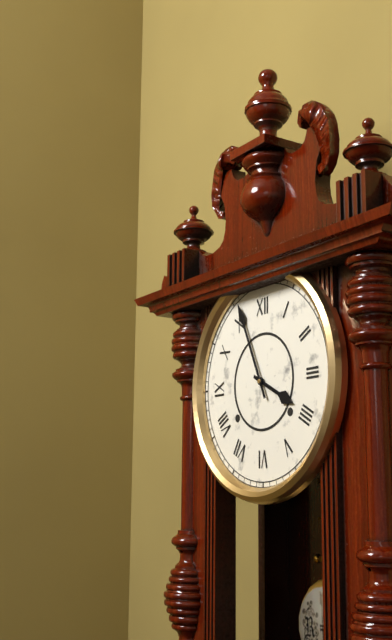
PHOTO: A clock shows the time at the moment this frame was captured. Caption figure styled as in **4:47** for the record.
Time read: **3:56**
